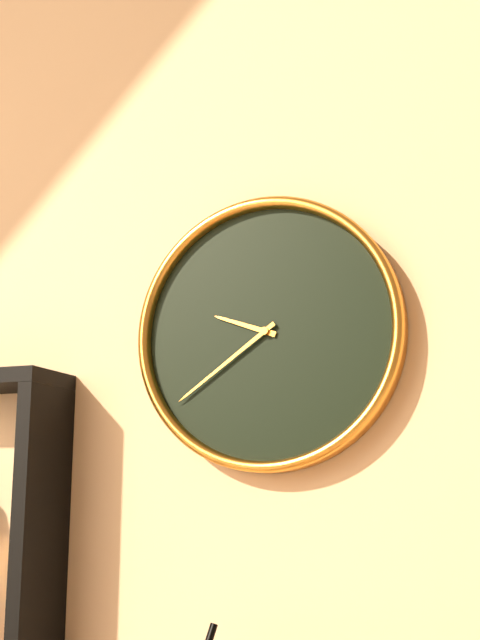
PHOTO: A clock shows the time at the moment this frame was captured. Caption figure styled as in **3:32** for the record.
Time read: **9:39**
